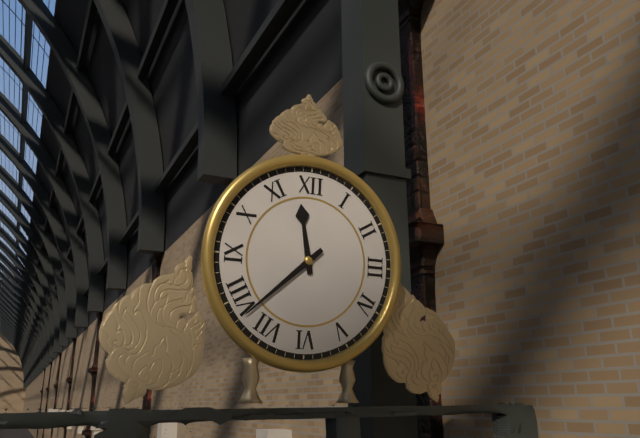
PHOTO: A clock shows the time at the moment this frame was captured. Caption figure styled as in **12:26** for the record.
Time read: **11:38**
